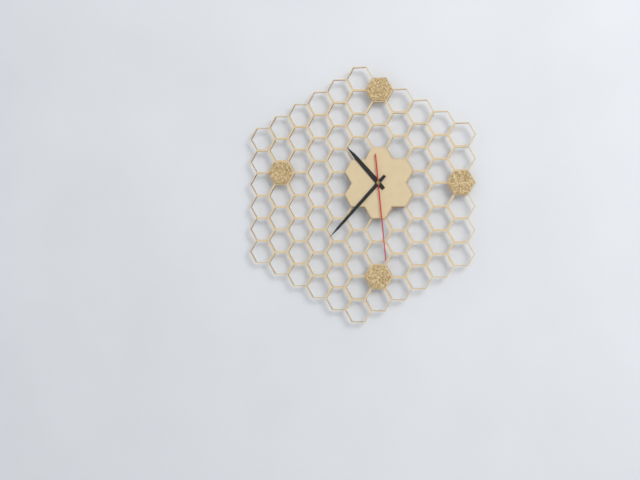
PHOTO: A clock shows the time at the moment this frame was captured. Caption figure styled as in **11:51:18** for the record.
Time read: **10:37:29**
